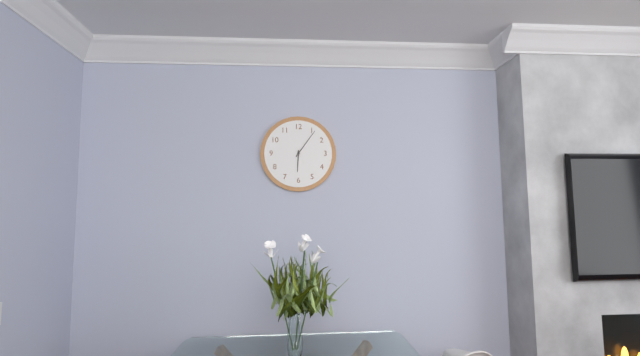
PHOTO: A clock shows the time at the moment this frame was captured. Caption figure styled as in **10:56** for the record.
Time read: **6:06**
